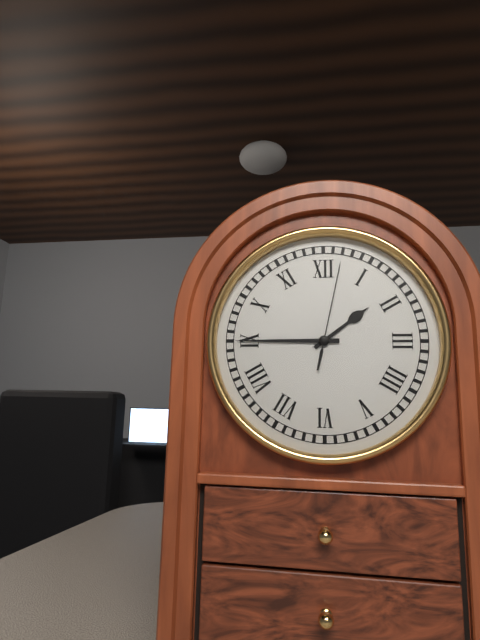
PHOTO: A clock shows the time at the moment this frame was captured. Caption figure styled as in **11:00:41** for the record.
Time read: **1:45:02**
